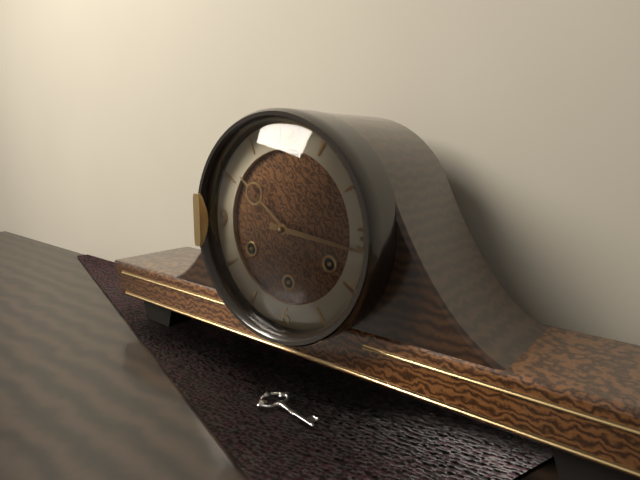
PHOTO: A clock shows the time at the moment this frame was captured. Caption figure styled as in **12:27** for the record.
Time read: **10:16**
